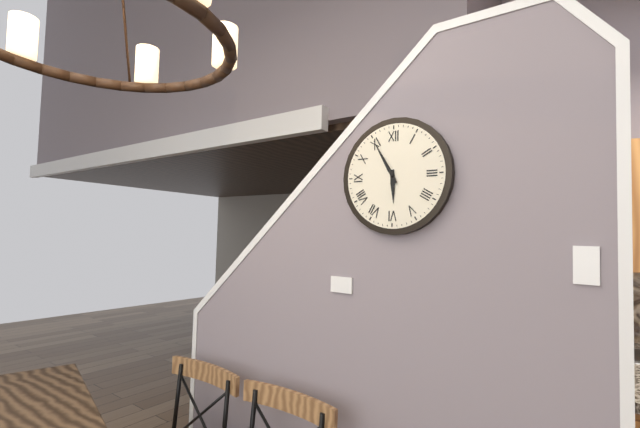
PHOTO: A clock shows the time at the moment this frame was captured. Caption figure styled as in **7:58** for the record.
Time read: **5:55**
